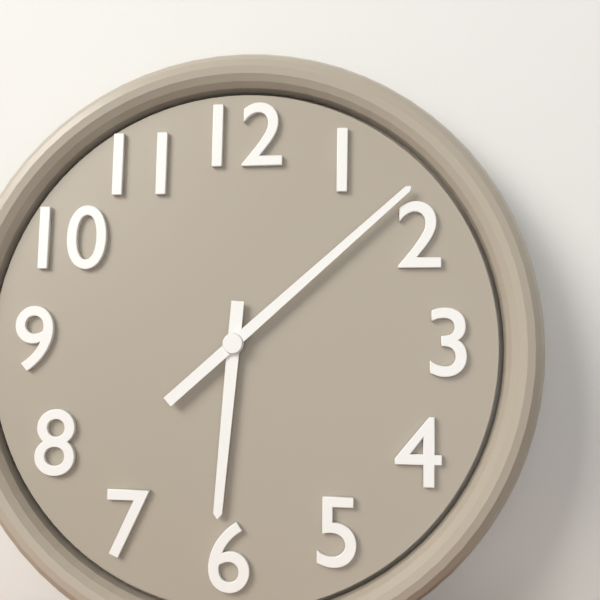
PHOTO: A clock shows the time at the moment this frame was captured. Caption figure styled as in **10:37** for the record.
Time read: **6:08**
